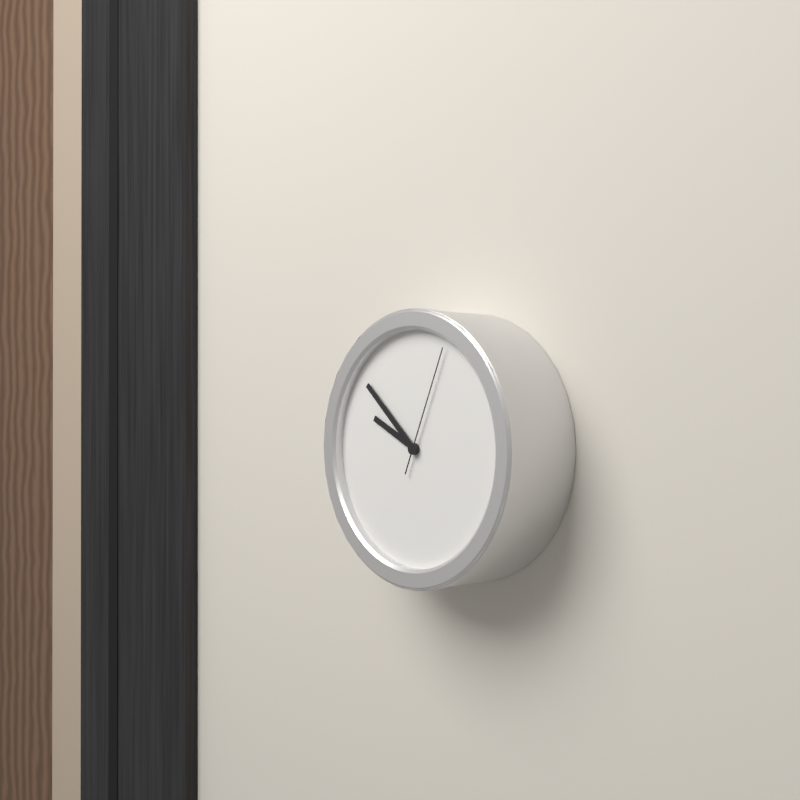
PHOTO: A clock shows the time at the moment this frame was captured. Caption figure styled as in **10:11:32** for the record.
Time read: **9:52:04**
